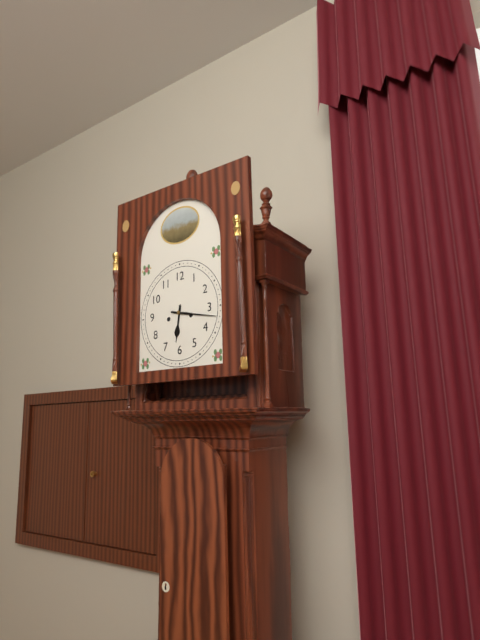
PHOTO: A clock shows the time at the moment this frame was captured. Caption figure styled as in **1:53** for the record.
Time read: **6:17**
